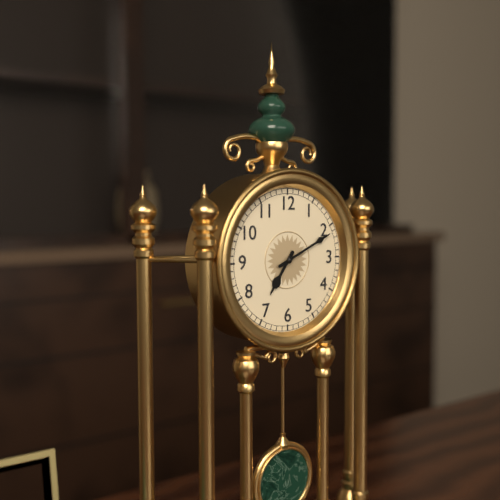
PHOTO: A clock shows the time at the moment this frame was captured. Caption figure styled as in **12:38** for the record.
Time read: **7:11**
